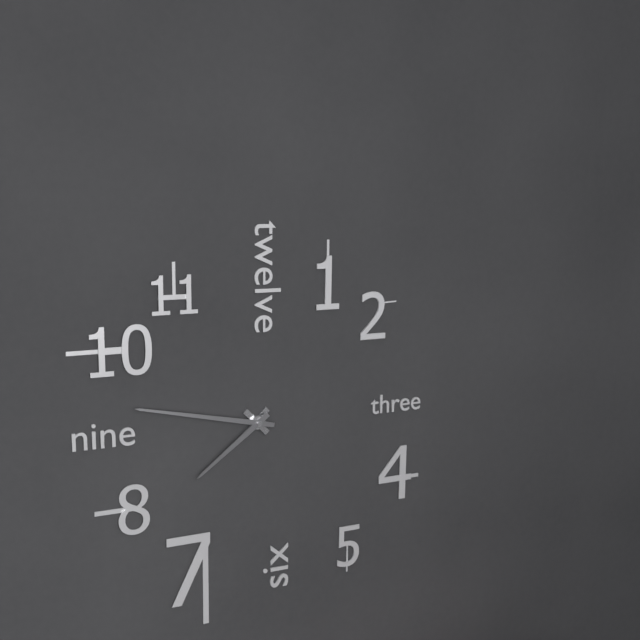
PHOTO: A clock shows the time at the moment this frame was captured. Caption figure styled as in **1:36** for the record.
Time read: **7:47**
